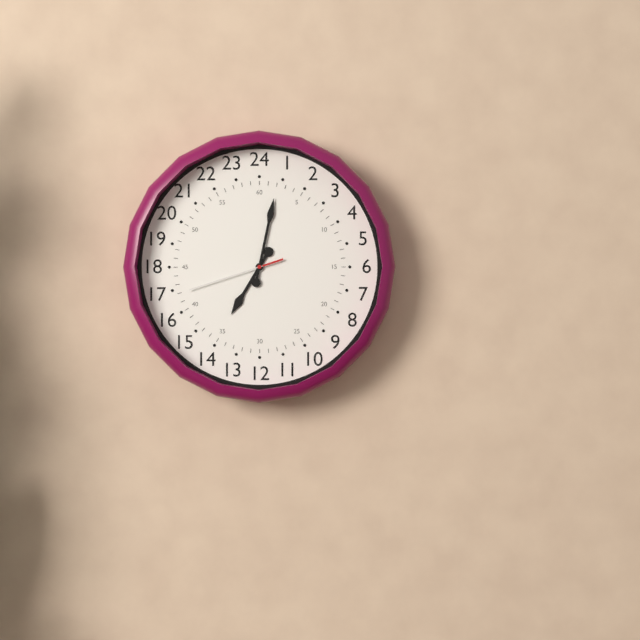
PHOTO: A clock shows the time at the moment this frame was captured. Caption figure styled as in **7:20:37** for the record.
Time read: **7:02:42**
